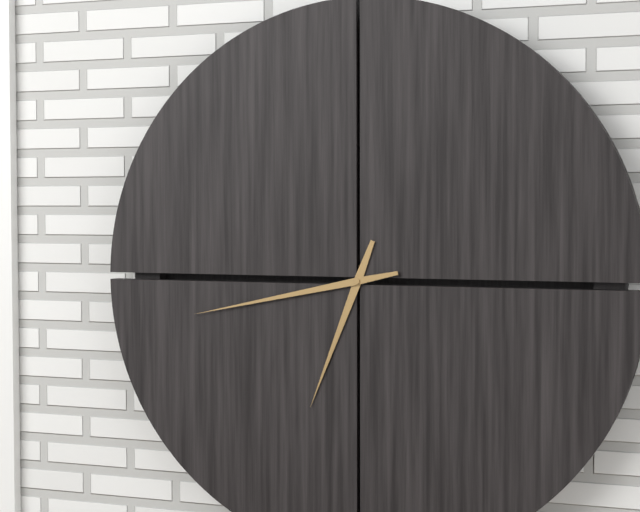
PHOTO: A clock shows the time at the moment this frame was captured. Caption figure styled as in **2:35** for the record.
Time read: **6:43**
